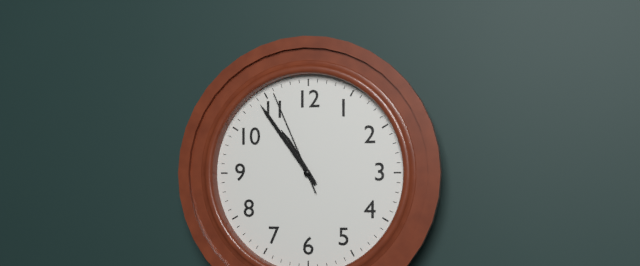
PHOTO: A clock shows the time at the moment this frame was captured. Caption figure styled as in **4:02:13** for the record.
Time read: **10:54:56**
